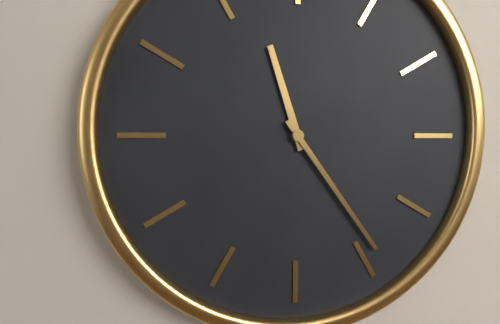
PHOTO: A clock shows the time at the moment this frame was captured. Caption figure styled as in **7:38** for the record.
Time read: **11:24**
